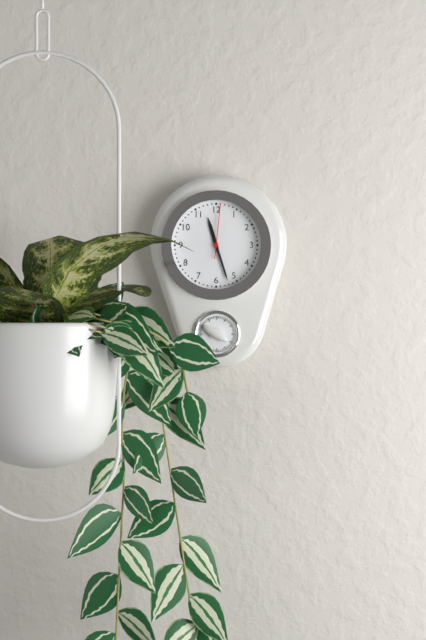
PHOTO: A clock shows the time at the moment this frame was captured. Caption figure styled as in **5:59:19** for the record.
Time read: **11:27:01**
